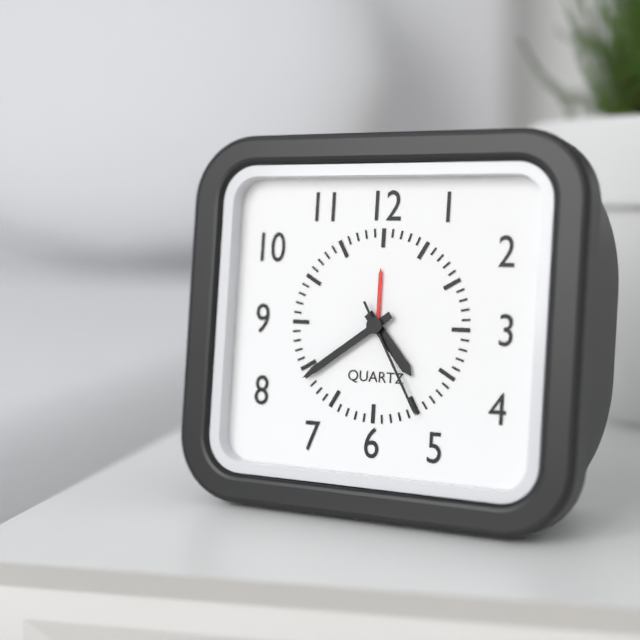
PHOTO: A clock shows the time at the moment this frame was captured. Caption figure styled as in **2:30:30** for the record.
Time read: **4:39:25**
